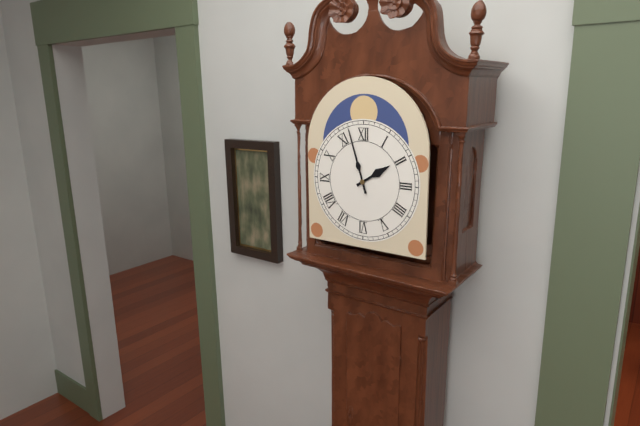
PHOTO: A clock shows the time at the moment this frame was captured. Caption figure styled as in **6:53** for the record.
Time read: **1:57**
